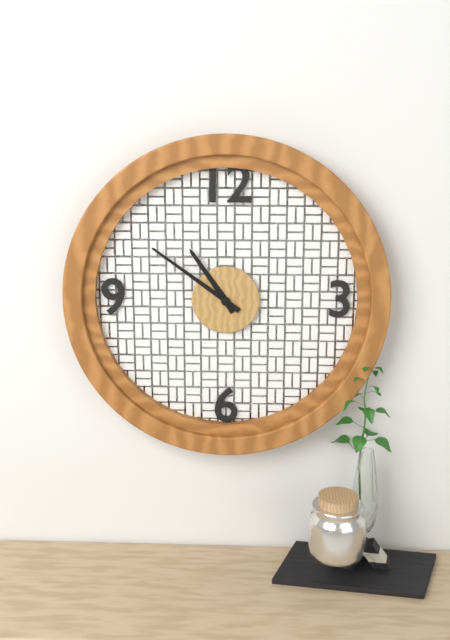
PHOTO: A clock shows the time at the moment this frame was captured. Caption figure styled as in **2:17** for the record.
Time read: **10:51**
